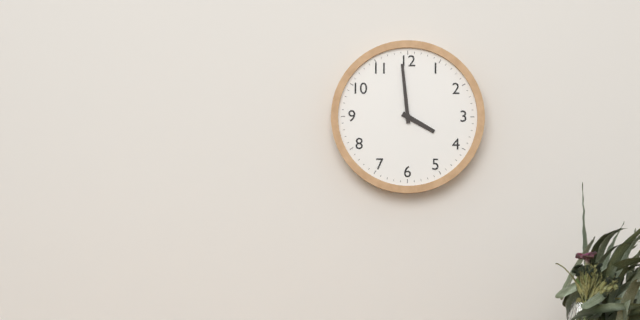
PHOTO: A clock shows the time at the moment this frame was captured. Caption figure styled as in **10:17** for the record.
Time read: **3:59**
